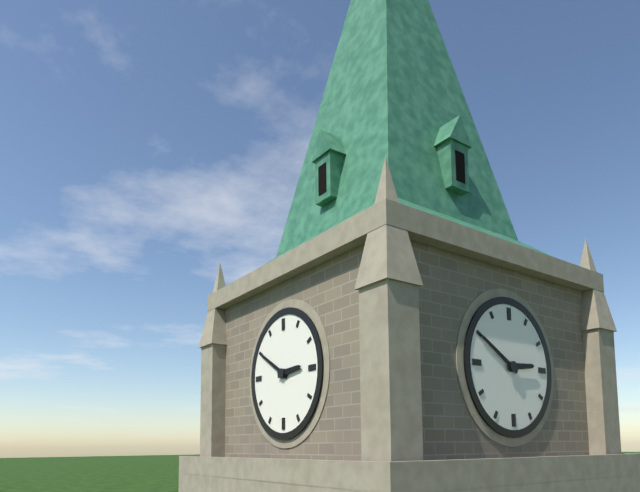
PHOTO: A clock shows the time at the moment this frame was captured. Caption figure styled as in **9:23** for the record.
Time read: **2:50**
